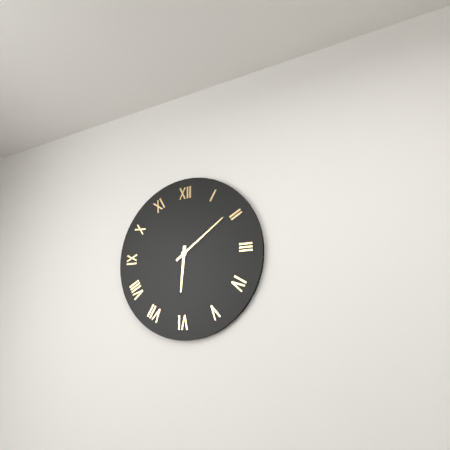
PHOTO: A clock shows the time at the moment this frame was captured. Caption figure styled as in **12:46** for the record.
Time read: **6:09**
